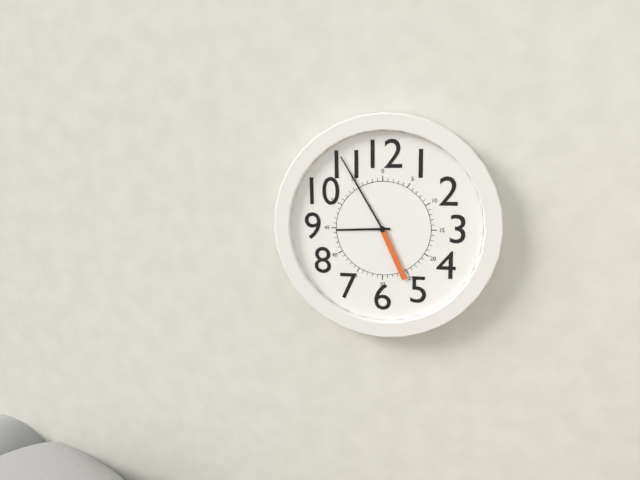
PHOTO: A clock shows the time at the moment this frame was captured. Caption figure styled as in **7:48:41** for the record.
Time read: **8:55:26**
